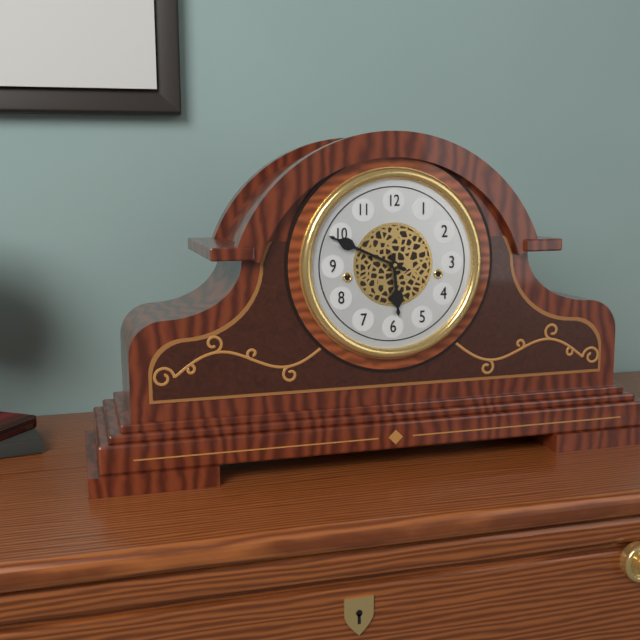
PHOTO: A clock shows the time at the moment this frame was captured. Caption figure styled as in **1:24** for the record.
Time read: **5:49**
